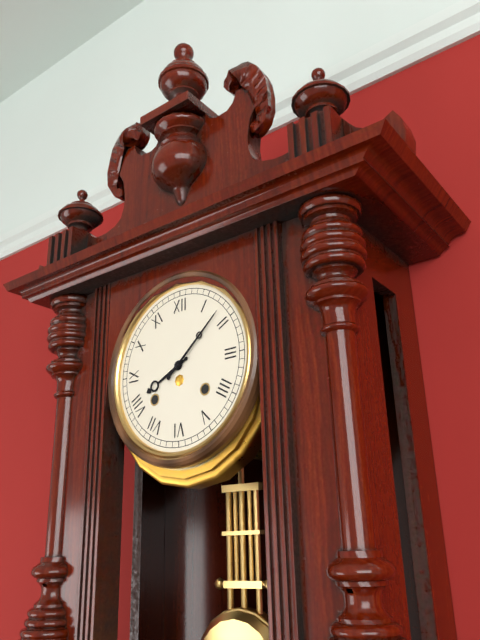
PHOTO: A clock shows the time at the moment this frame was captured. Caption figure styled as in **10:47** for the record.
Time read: **8:08**
